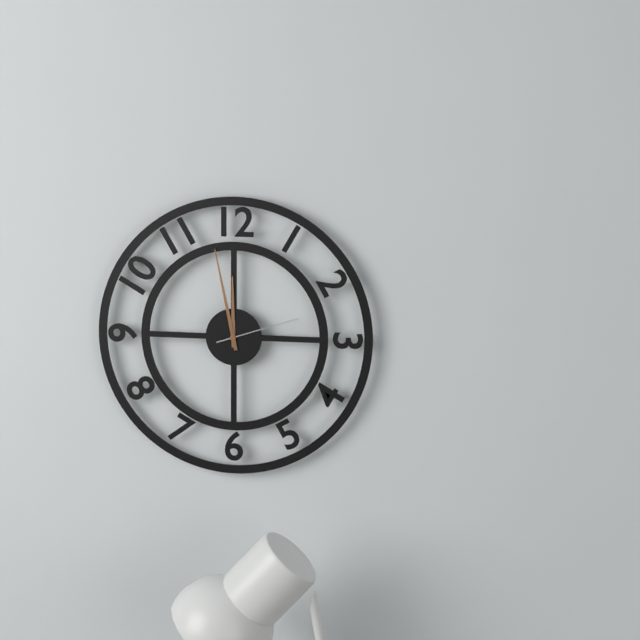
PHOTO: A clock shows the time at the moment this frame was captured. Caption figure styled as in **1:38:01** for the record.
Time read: **11:58:12**
